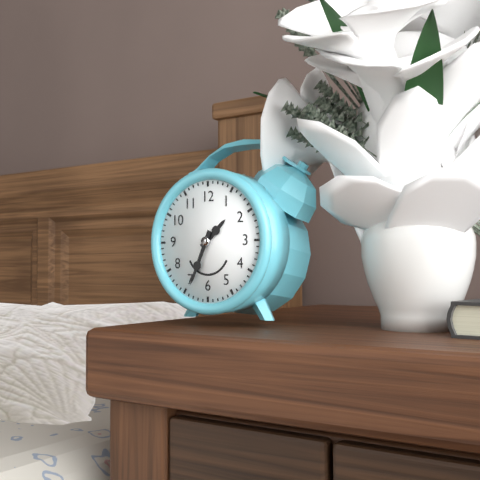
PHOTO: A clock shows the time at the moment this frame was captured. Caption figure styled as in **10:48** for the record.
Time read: **1:34**
